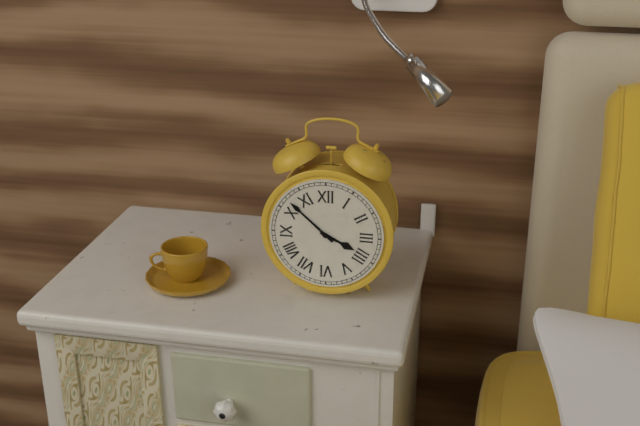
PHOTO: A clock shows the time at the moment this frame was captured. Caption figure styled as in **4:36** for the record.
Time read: **3:52**
